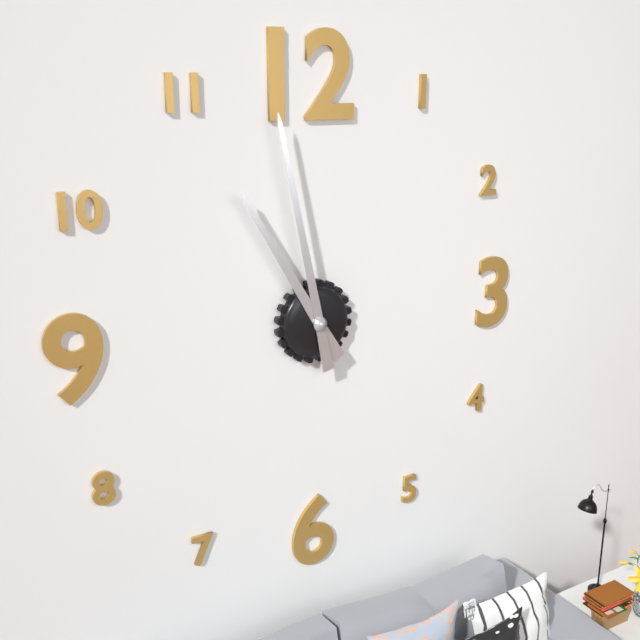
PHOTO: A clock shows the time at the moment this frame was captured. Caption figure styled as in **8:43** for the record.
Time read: **10:58**
